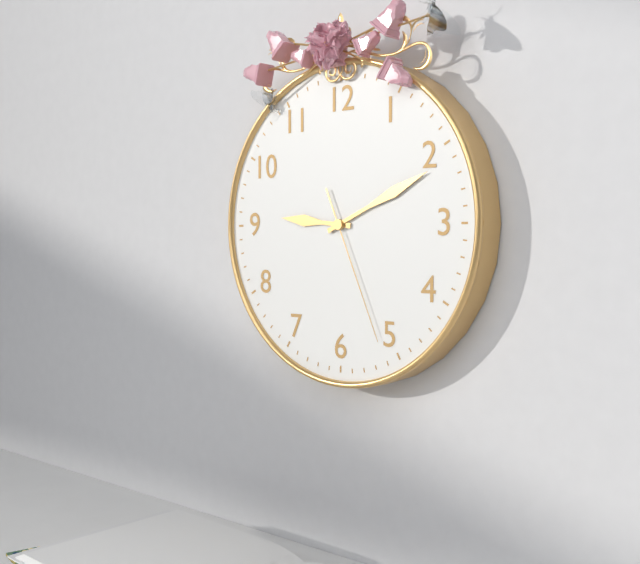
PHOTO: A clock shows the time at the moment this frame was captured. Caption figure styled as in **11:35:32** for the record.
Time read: **9:11:26**
